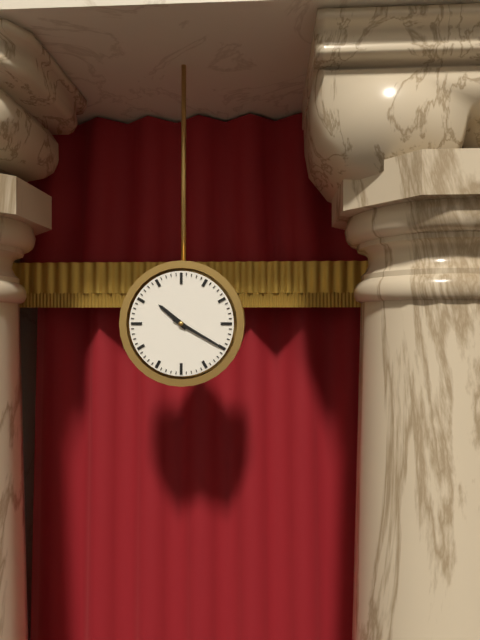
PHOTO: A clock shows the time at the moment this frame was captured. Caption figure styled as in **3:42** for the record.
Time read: **10:20**
